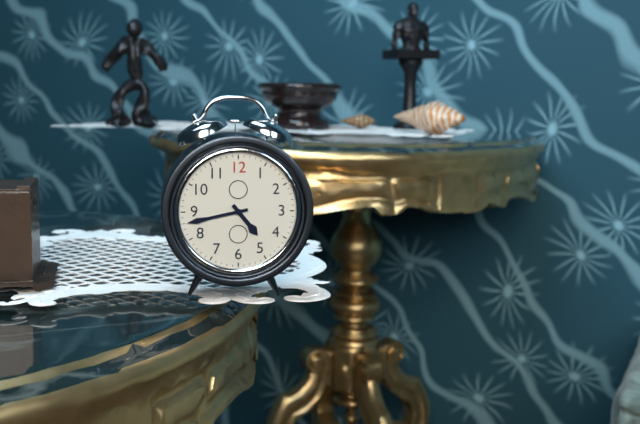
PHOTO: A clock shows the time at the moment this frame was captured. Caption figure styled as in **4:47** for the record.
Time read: **4:43**
